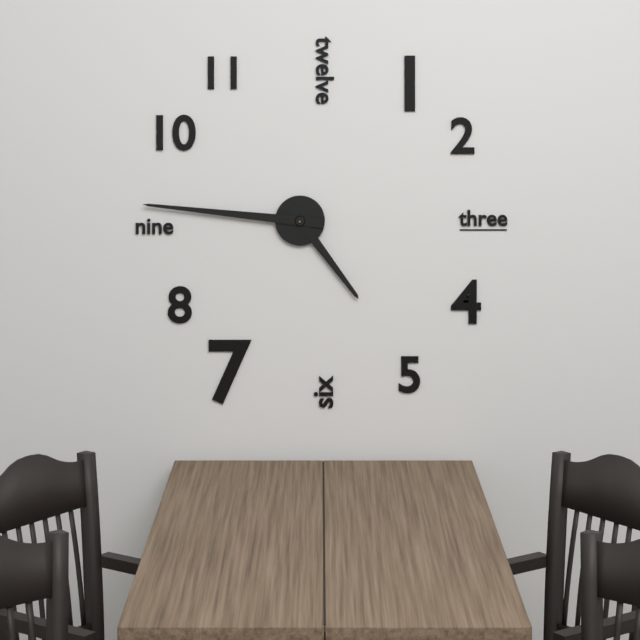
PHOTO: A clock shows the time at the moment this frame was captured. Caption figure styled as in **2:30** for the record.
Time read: **4:46**
